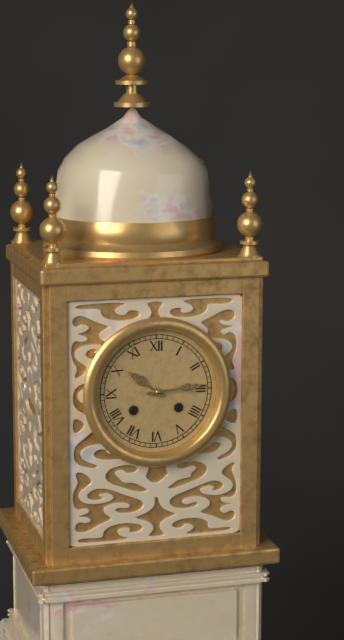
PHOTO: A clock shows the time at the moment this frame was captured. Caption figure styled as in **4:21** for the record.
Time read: **10:14**
